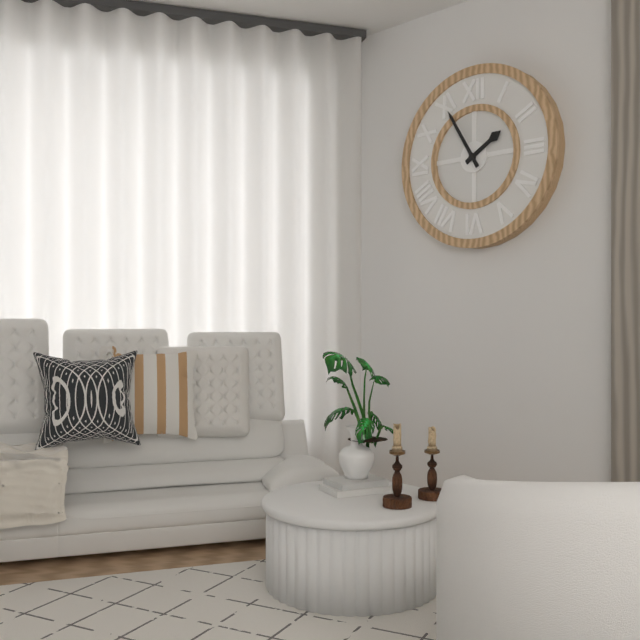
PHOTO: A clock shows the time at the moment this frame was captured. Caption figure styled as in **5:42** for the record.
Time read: **1:55**
